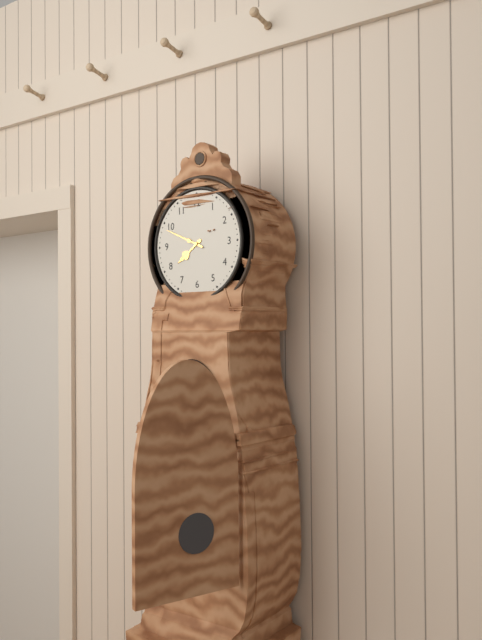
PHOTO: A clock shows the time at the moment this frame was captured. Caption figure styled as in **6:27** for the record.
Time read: **7:49**
